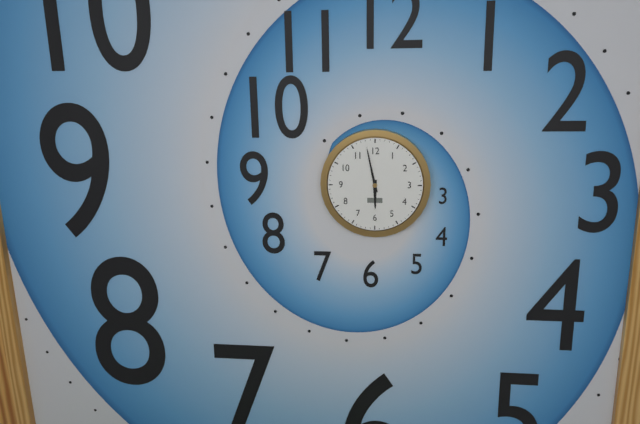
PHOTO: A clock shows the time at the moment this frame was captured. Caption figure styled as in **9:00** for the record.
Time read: **5:58**
